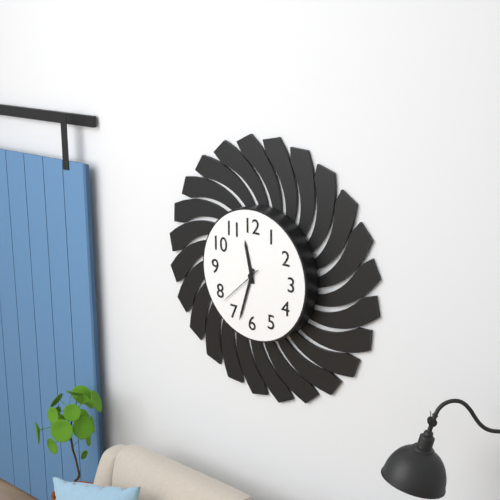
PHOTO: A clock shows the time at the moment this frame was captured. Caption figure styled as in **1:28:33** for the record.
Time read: **11:33:38**
